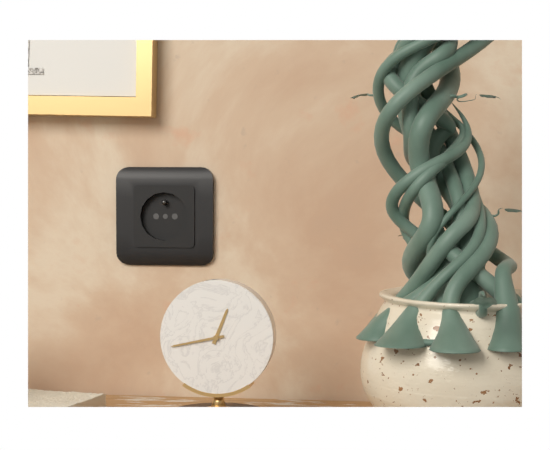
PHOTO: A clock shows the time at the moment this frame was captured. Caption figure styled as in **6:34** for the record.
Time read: **12:43**
